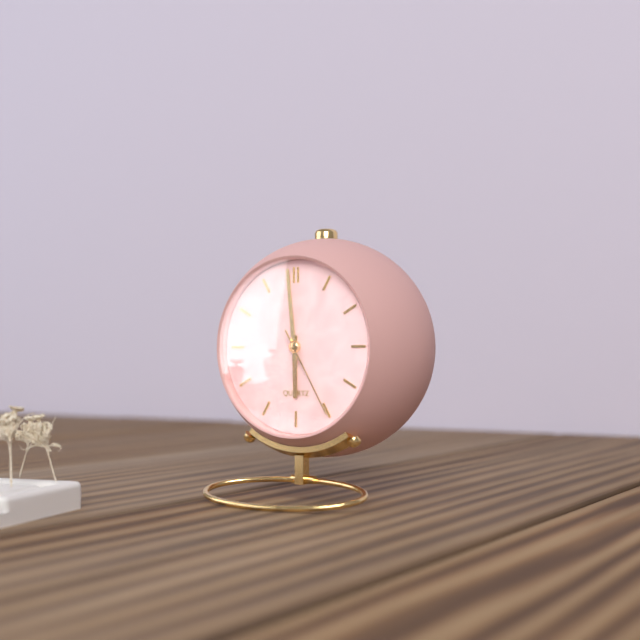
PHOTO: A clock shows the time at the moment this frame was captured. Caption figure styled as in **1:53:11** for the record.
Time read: **5:59:25**
